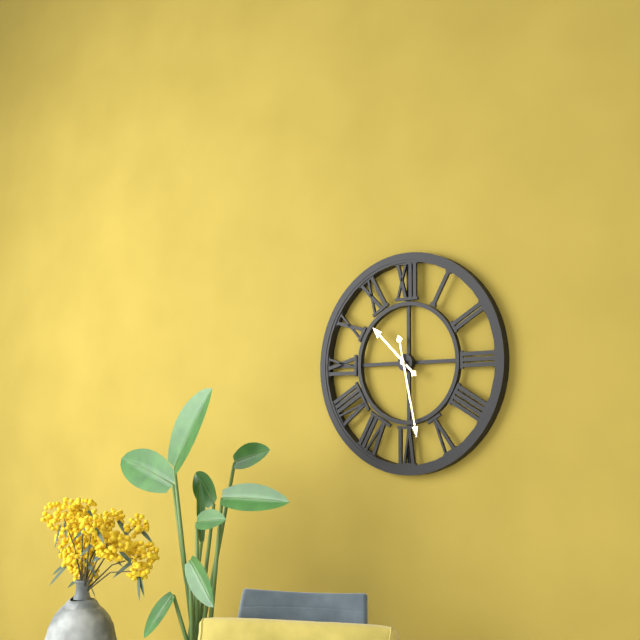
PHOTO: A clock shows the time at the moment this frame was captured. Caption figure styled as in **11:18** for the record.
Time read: **10:28**
